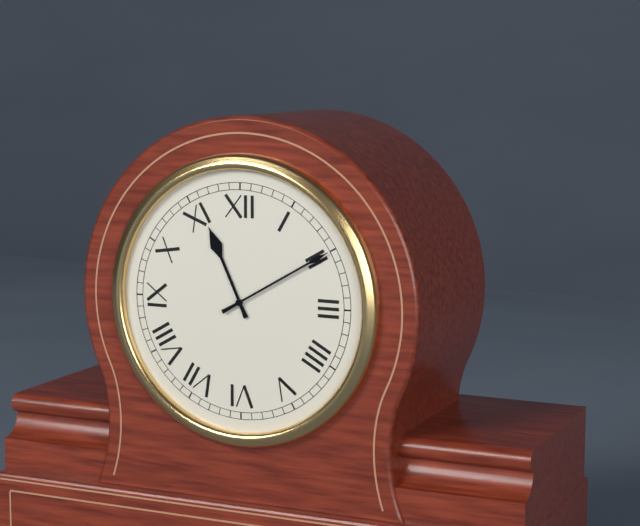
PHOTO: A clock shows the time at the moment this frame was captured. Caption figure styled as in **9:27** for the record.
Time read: **11:10**
